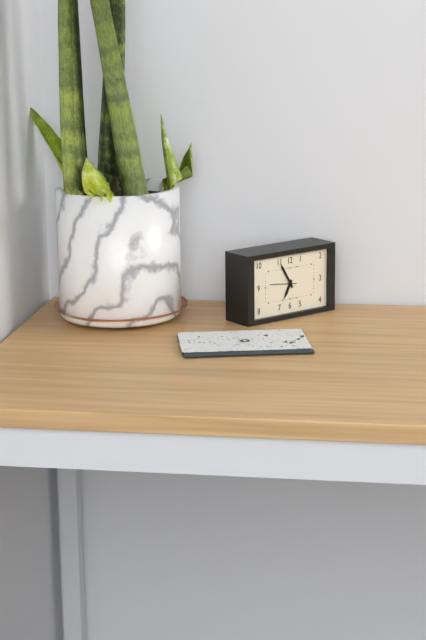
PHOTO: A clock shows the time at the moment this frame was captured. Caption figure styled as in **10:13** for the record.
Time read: **6:55**
